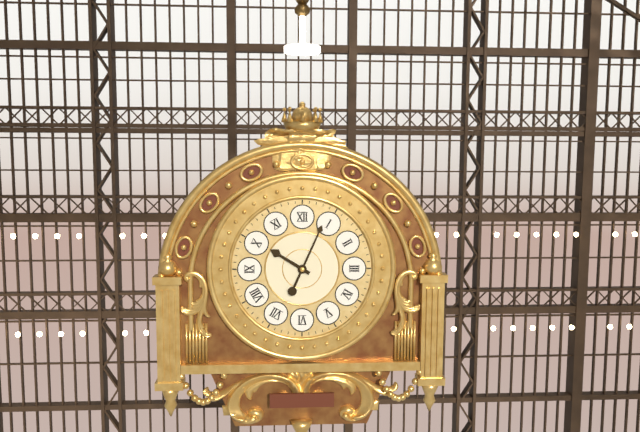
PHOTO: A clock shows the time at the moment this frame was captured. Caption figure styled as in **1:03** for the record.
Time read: **10:04**
